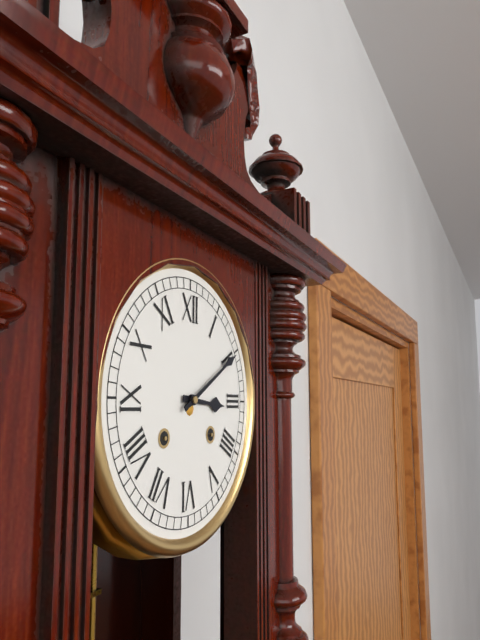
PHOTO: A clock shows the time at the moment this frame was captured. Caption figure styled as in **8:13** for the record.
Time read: **3:10**
